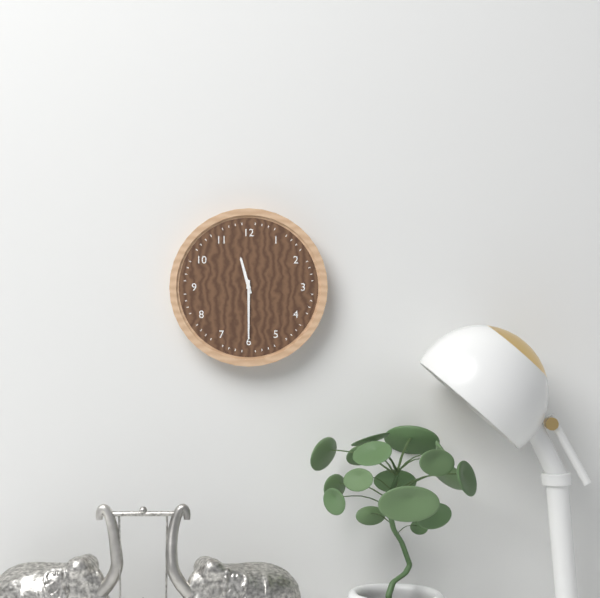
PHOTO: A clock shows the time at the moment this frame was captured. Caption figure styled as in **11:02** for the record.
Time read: **11:30**
